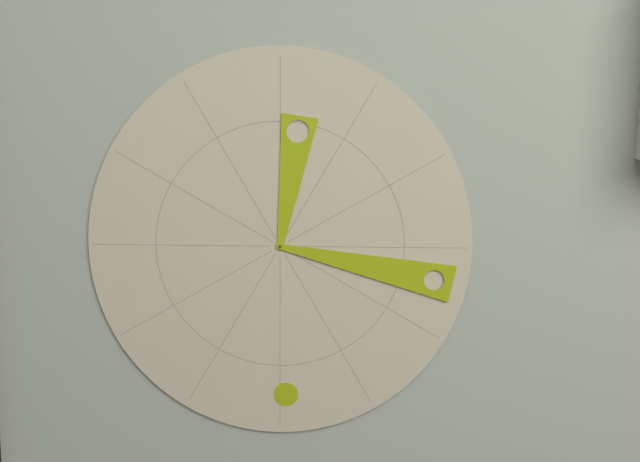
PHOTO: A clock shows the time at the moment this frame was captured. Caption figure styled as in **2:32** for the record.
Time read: **12:17**
